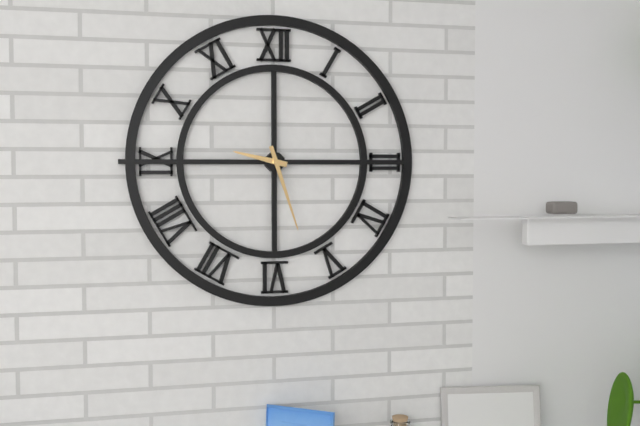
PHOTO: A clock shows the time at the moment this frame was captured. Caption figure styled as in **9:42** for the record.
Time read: **9:27**
